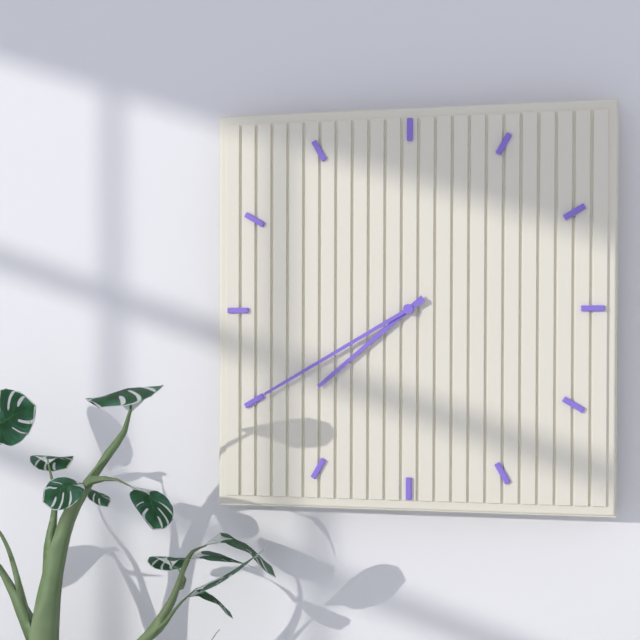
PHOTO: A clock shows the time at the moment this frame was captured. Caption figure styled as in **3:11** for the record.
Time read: **7:40**
